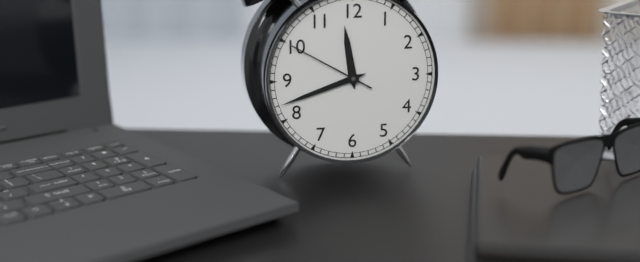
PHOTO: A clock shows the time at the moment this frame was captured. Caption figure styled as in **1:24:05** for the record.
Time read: **11:42:50**
